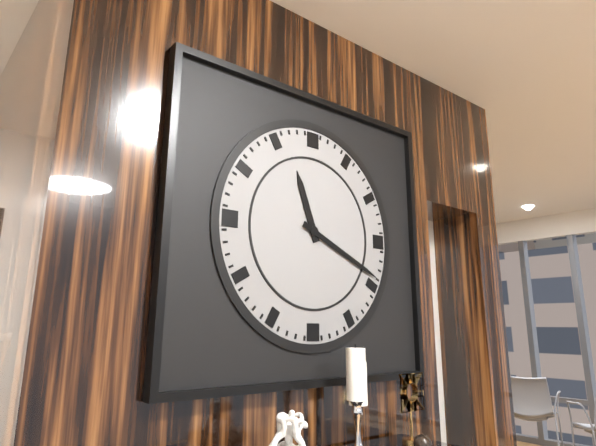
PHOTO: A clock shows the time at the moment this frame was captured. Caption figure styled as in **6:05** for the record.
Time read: **11:19**
